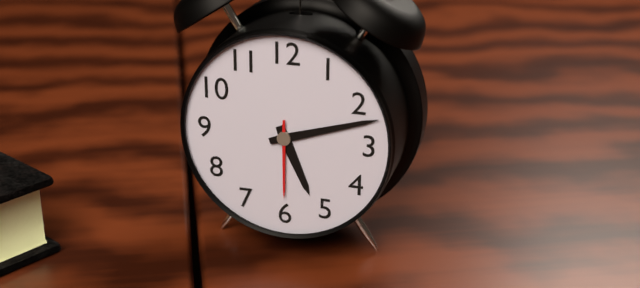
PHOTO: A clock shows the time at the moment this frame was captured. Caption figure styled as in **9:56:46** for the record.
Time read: **5:12:30**
